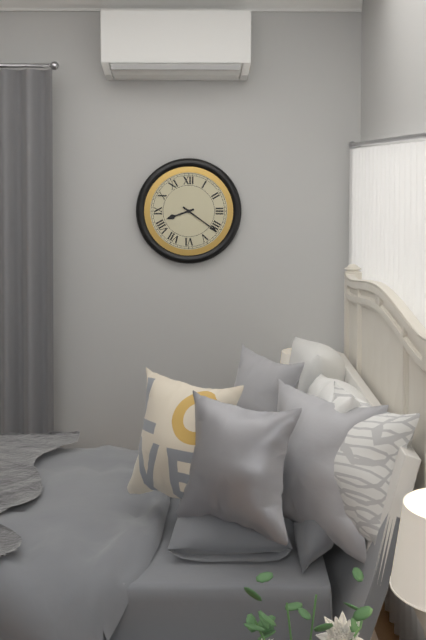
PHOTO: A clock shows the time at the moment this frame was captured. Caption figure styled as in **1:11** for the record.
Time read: **8:21**
